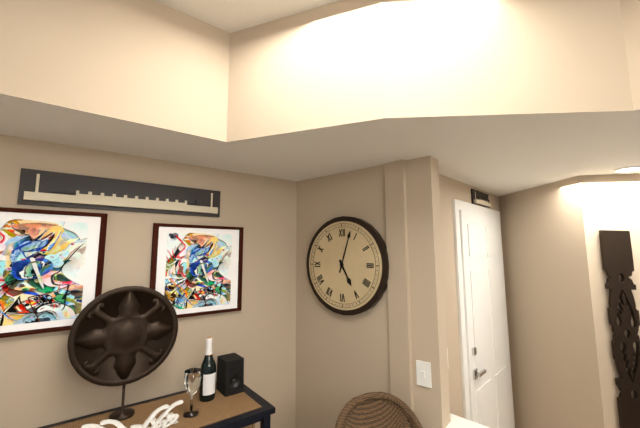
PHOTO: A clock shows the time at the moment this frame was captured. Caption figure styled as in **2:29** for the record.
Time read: **5:03**
